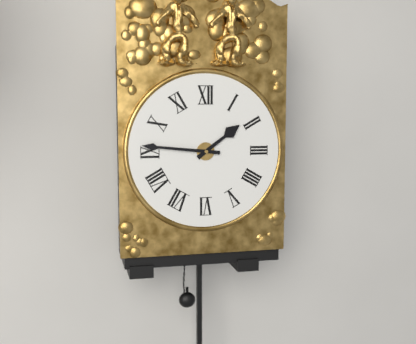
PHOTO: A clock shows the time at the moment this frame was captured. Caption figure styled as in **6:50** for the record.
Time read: **1:46**
